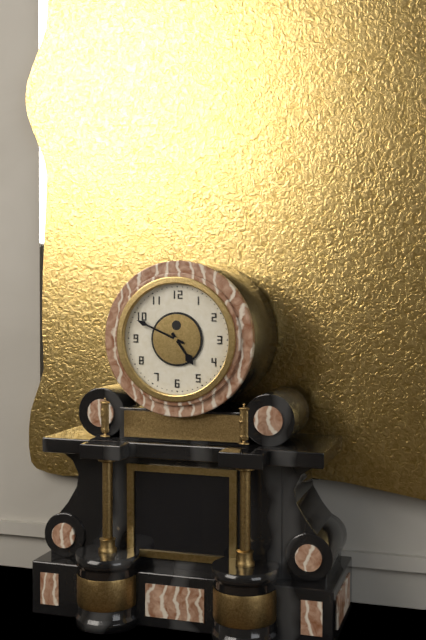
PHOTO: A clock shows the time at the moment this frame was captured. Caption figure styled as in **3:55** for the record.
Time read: **4:49**
